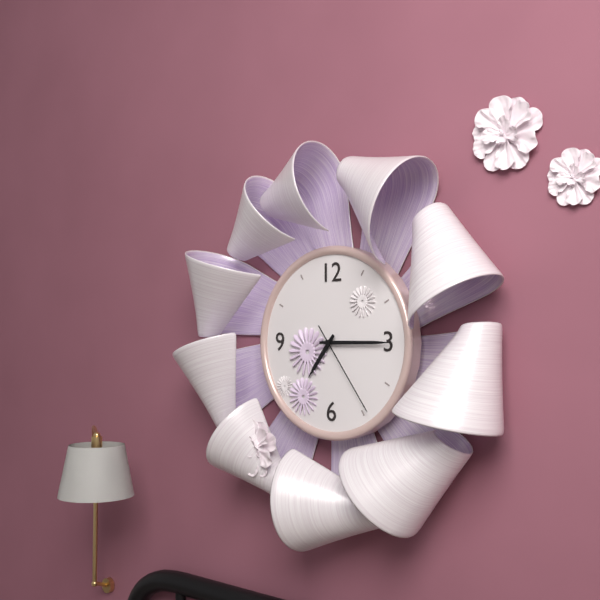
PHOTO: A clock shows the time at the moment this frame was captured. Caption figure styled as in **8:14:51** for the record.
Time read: **7:15:24**
